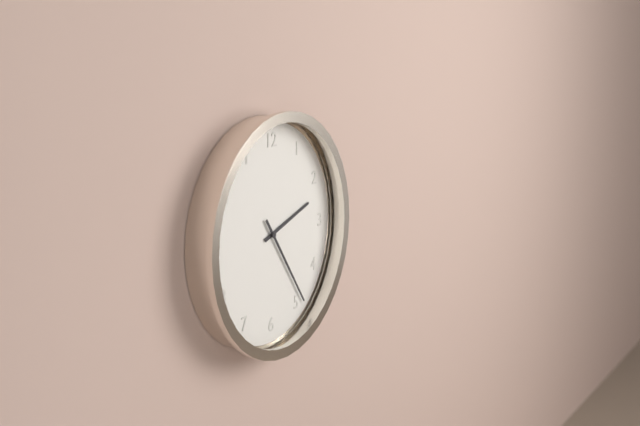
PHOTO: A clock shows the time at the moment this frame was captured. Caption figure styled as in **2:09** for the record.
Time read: **2:24**
